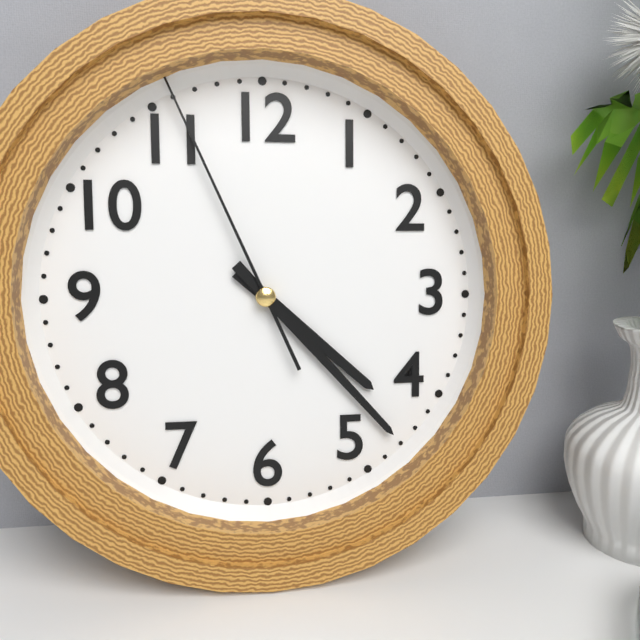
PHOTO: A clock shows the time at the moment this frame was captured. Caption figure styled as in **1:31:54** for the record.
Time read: **4:23:56**
